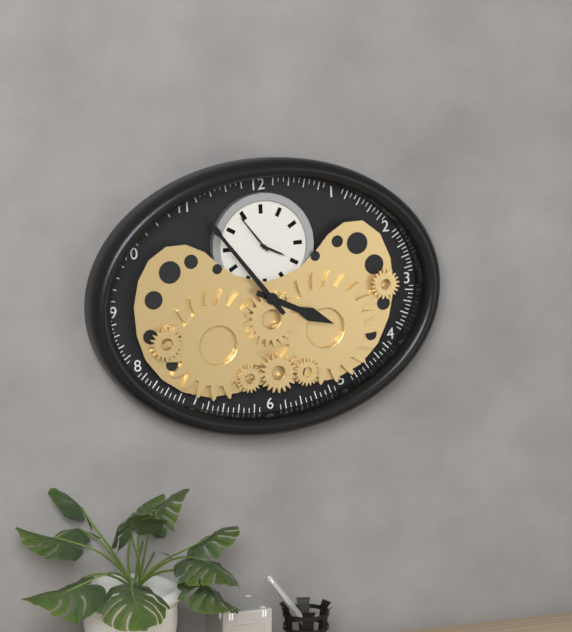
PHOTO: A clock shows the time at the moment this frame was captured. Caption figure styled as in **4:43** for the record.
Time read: **3:54**
